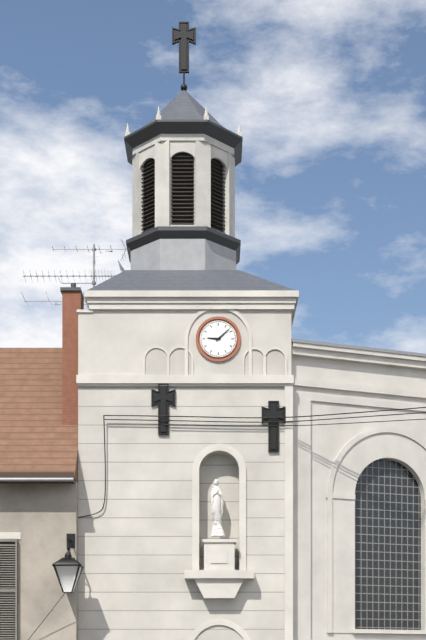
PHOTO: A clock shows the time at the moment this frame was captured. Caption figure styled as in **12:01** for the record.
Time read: **9:08**
